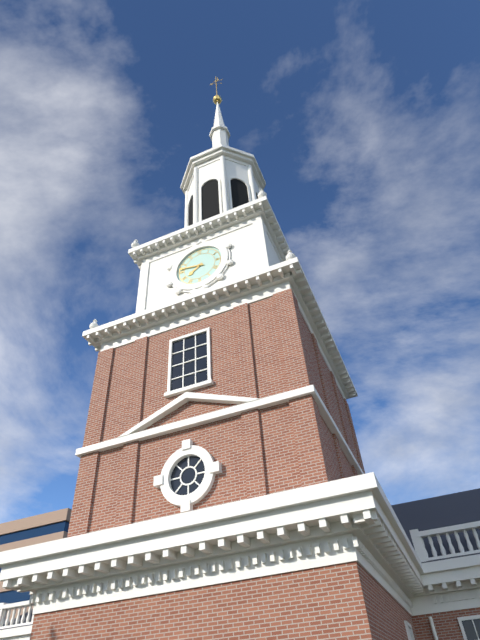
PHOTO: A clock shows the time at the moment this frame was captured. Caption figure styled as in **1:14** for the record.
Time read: **7:47**
